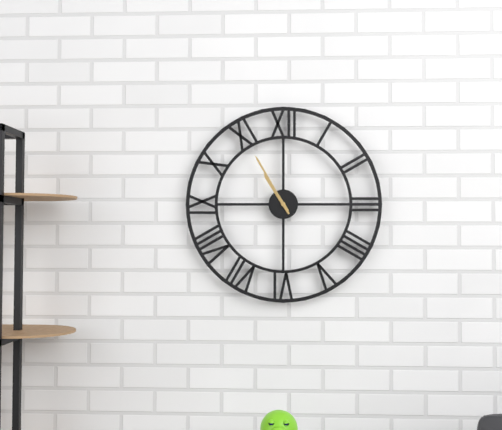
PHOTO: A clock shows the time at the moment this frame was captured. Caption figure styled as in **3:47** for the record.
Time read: **10:55**
